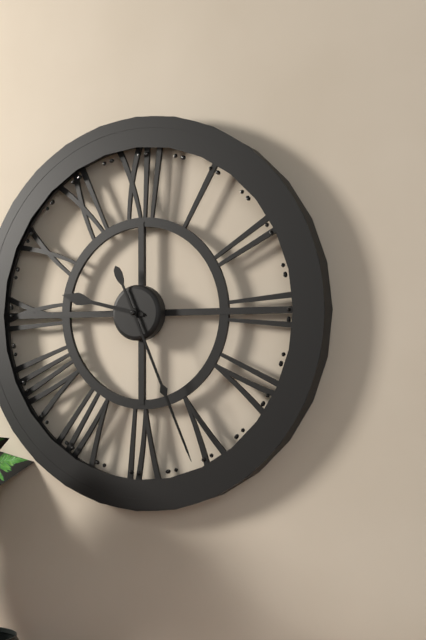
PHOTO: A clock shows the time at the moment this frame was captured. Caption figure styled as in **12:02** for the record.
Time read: **9:26**
